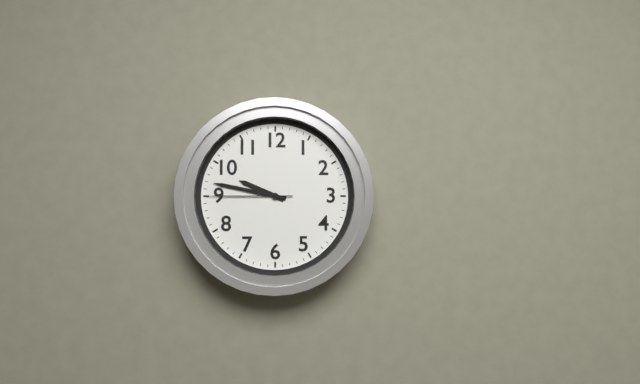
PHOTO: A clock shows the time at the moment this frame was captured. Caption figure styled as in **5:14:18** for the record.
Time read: **9:47:45**
